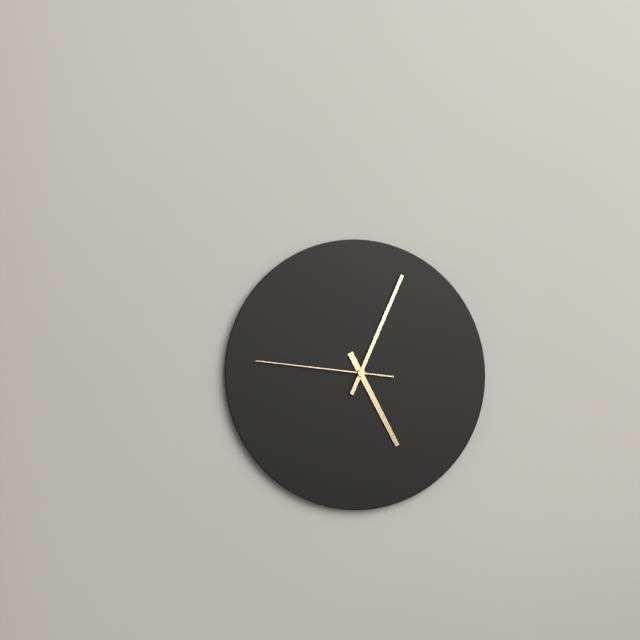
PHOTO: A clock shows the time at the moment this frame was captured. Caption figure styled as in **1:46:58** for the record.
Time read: **5:04:46**
